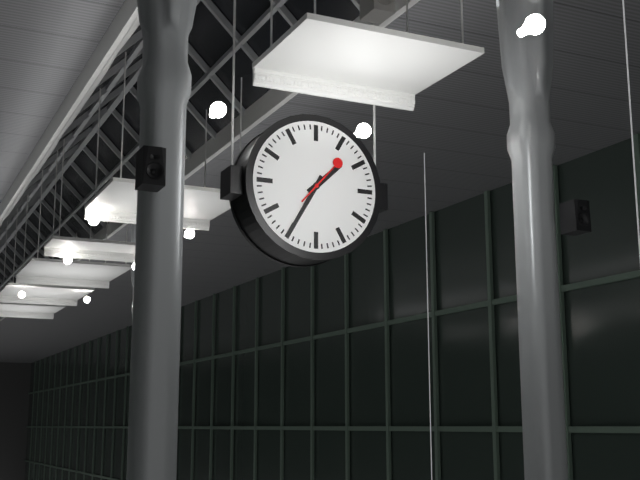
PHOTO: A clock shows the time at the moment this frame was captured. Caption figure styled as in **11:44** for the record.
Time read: **1:35**
